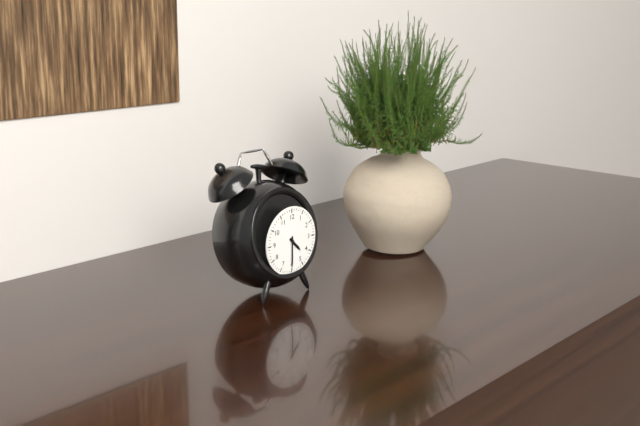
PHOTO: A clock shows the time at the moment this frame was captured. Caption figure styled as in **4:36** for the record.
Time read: **4:30**
